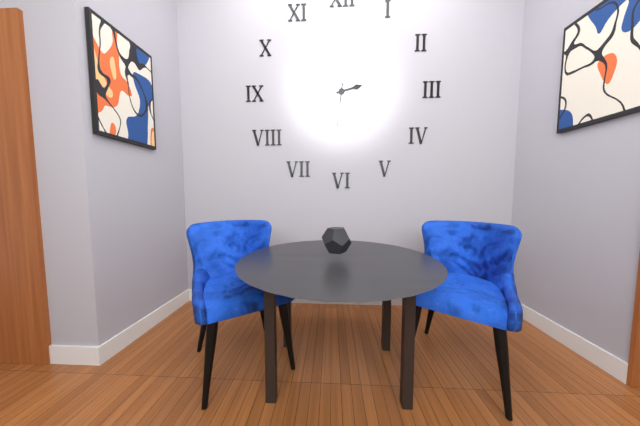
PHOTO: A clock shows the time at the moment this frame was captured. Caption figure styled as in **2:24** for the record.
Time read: **2:31**
